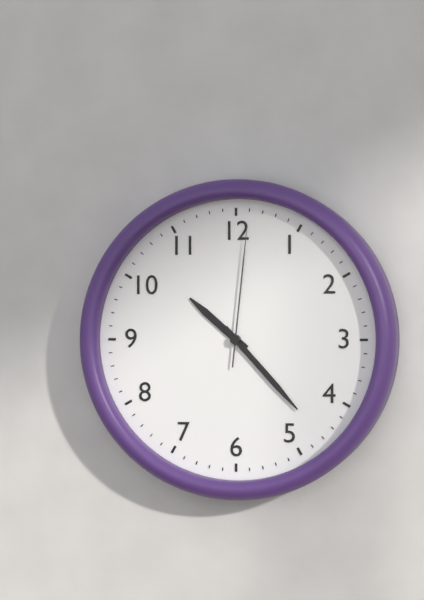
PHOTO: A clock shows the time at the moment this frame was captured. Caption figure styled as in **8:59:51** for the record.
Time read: **10:23:01**
